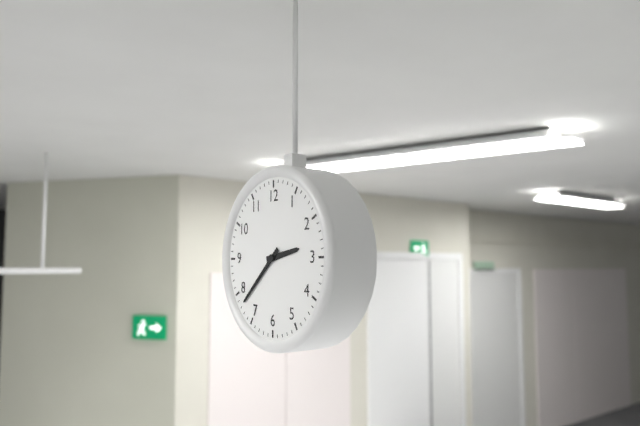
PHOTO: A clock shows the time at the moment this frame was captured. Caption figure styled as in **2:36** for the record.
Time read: **2:38**
